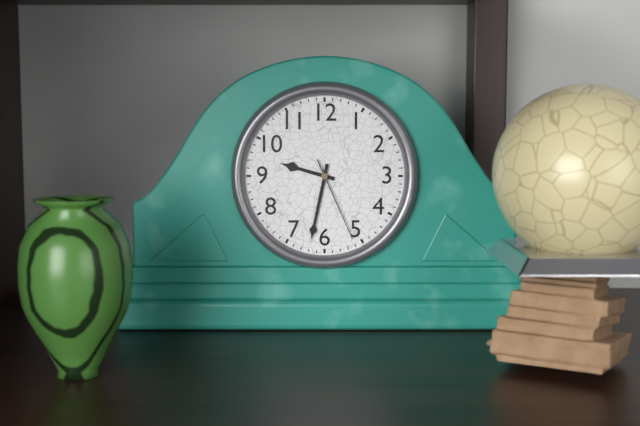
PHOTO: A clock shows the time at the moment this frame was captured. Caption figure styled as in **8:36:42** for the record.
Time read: **9:32:26**
